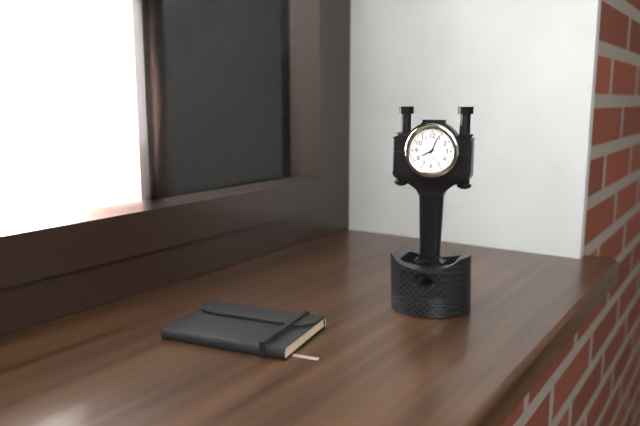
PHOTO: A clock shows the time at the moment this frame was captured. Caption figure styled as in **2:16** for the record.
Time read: **8:04**
